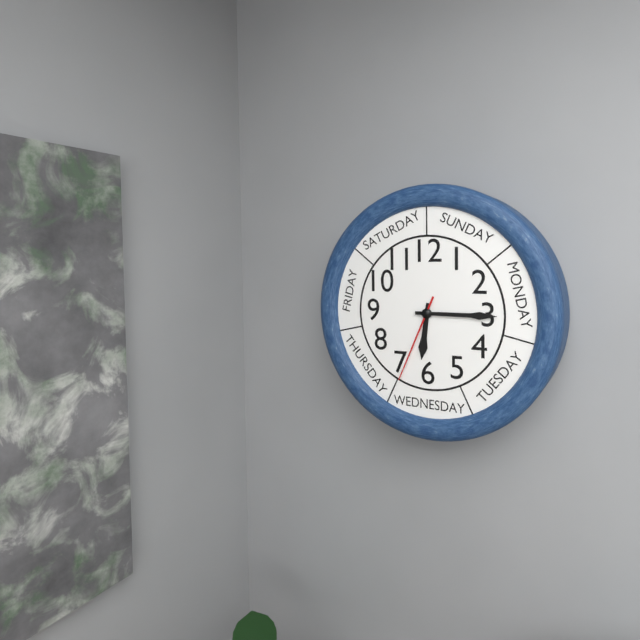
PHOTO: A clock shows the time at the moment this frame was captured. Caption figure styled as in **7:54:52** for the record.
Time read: **6:15:34**
